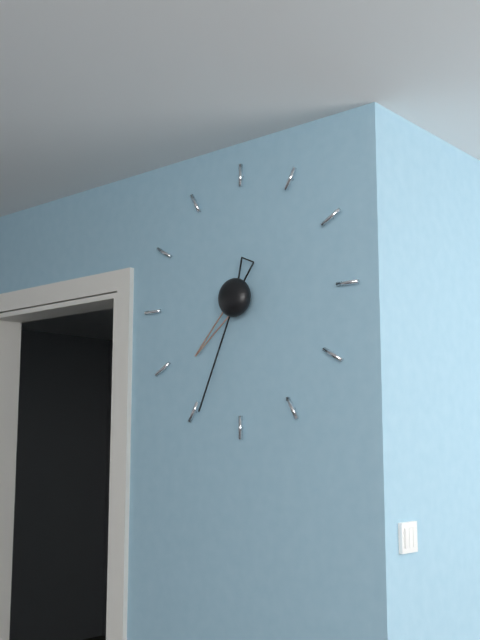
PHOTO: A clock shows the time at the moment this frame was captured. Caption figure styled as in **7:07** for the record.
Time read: **7:34**
